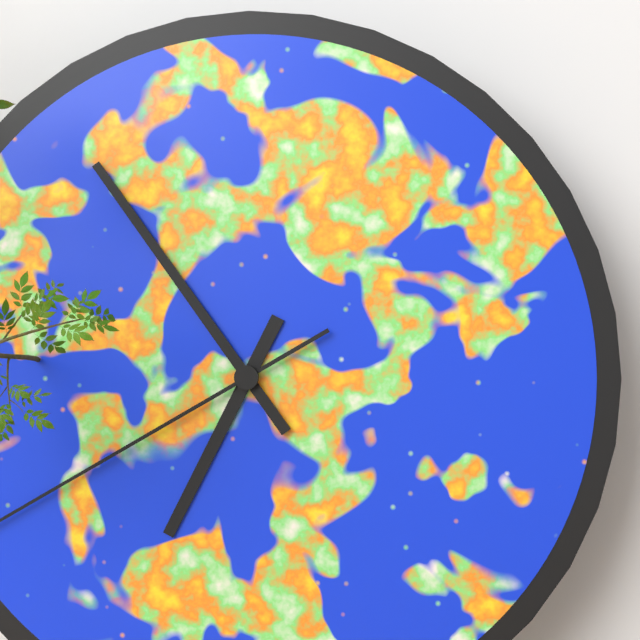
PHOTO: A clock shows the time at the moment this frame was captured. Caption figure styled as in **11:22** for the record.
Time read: **6:54**
